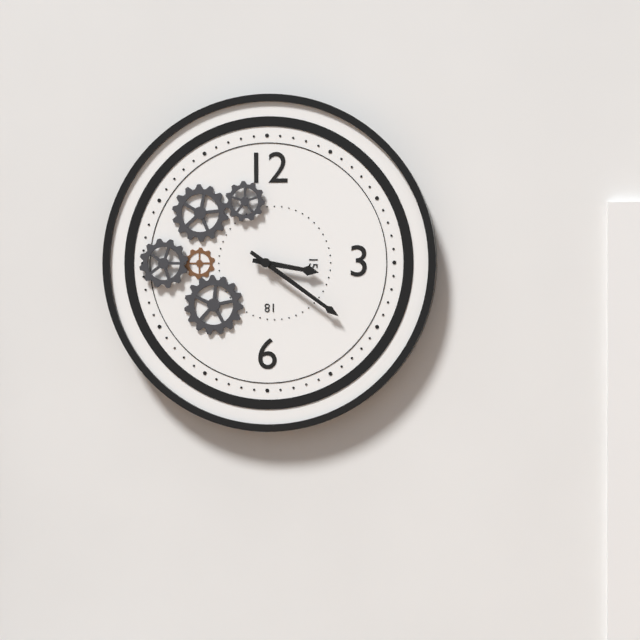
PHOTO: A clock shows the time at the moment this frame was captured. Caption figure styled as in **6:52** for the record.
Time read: **3:21**
